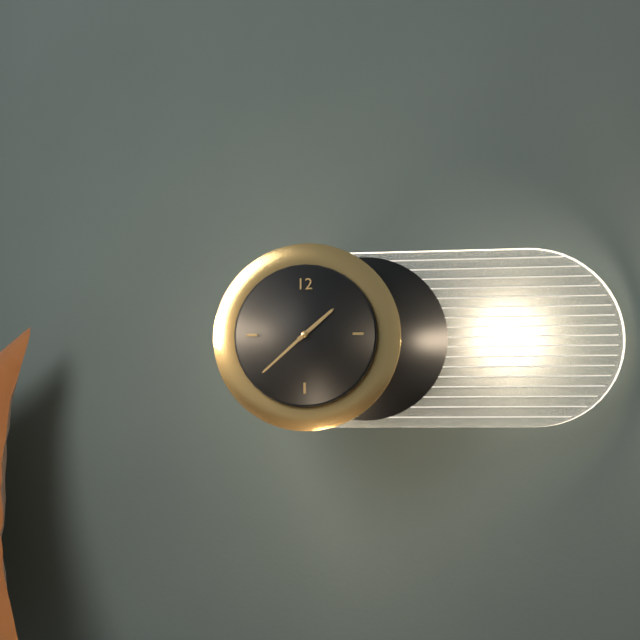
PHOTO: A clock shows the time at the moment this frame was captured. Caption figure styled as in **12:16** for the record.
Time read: **1:38**
